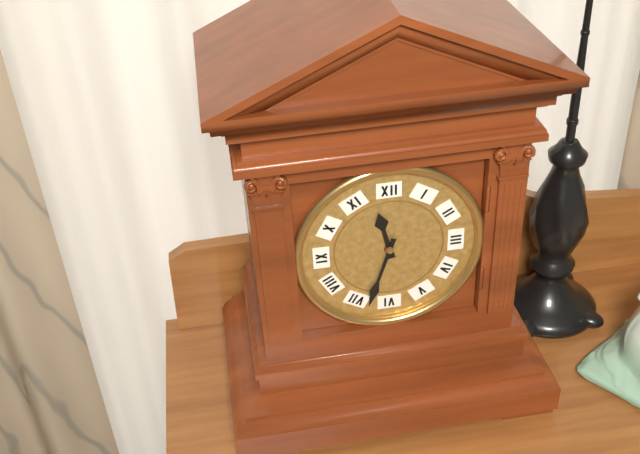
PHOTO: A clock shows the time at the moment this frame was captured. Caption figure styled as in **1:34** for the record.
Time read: **11:33**
